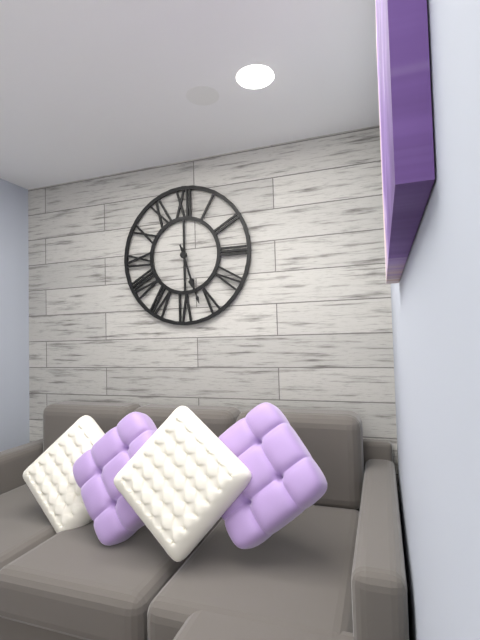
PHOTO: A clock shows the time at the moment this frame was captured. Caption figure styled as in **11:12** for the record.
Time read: **5:27**
